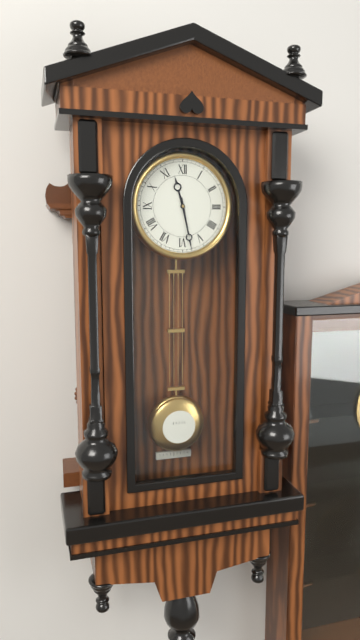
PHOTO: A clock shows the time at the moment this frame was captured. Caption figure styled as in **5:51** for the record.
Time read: **11:28**
